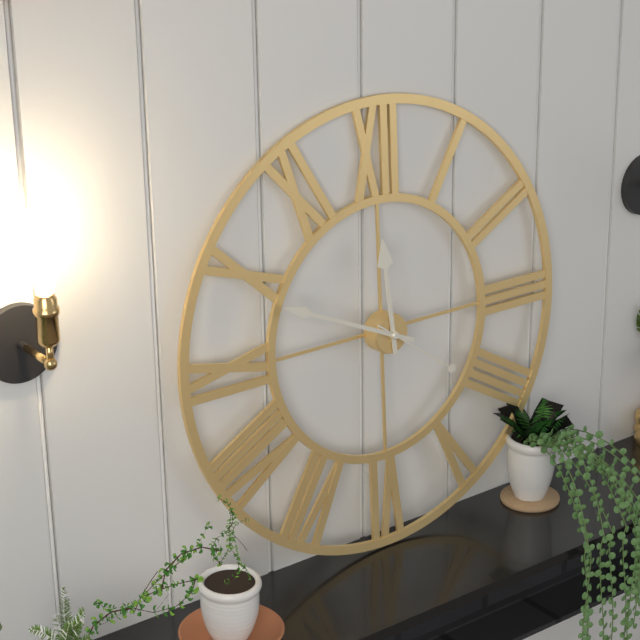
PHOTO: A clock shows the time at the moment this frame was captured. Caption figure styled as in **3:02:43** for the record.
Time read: **11:49:21**
